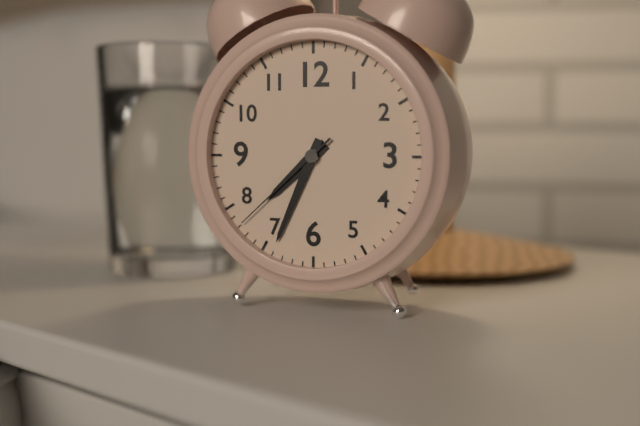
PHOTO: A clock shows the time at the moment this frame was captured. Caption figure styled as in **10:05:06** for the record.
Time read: **7:34:38**
